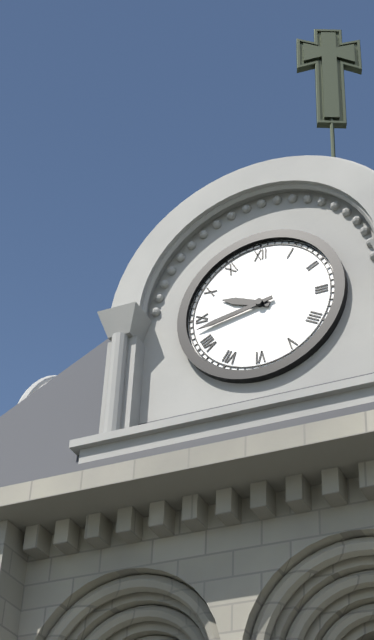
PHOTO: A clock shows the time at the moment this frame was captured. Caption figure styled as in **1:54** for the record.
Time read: **9:43**
